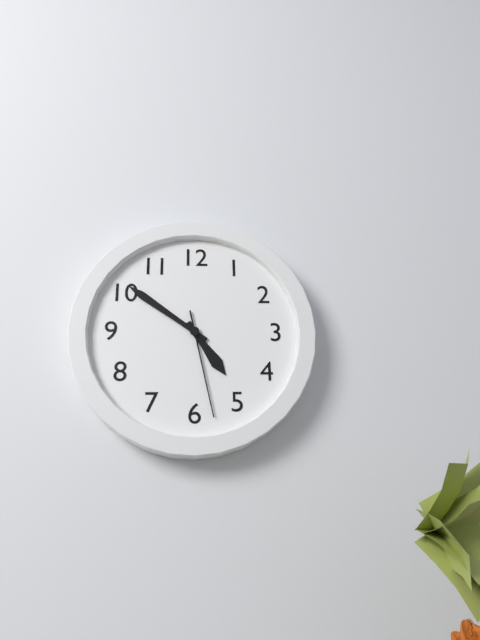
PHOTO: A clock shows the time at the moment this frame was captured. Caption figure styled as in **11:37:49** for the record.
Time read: **4:51:28**
